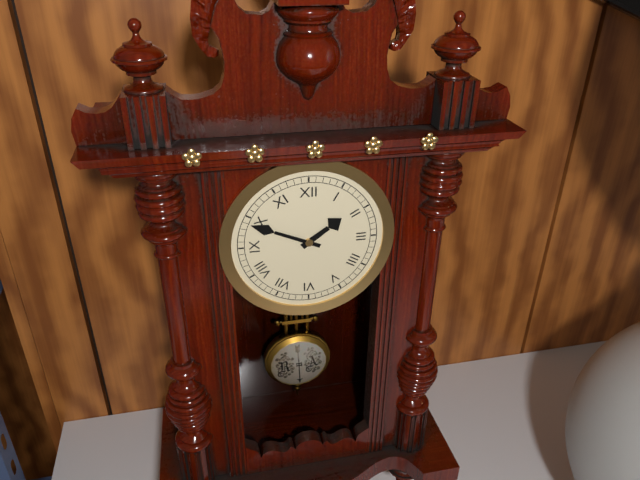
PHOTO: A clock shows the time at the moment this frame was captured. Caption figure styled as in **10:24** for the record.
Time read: **1:49**
